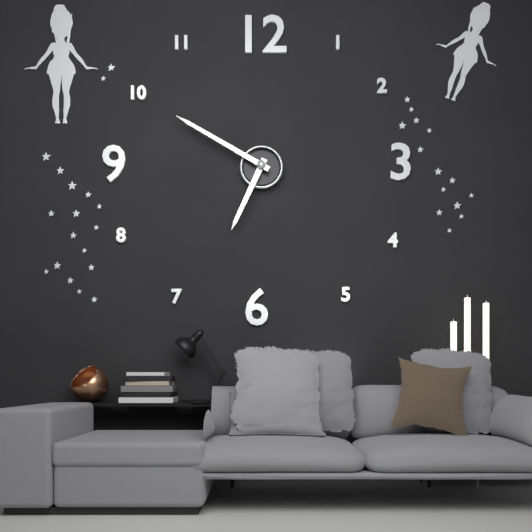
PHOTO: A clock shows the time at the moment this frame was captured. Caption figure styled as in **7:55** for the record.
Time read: **6:50**
